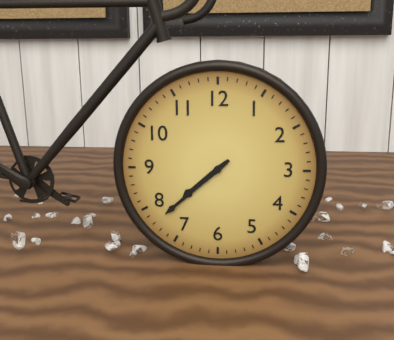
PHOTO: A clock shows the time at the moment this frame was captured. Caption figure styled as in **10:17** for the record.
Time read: **7:38**
